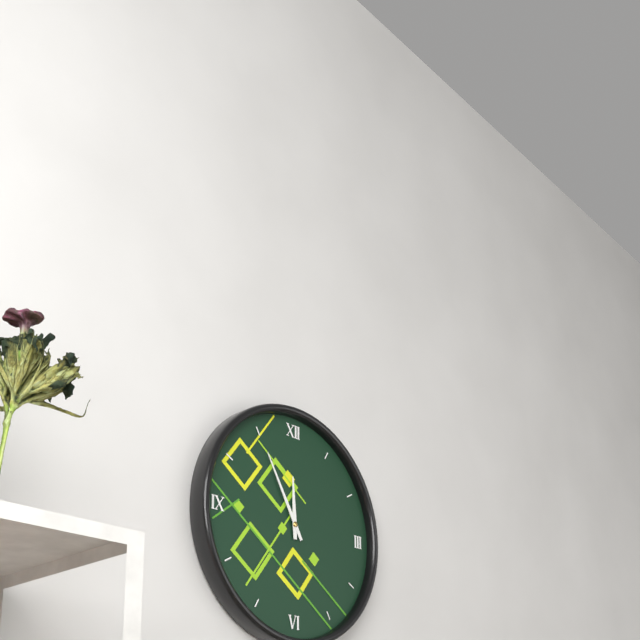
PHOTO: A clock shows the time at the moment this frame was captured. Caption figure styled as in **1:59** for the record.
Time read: **11:55**
